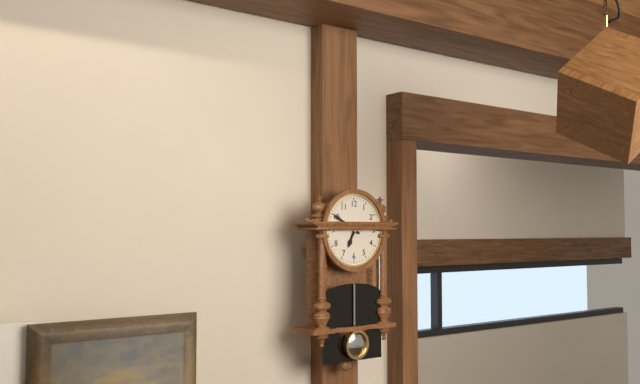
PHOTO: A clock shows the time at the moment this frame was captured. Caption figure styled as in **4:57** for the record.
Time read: **6:50**
